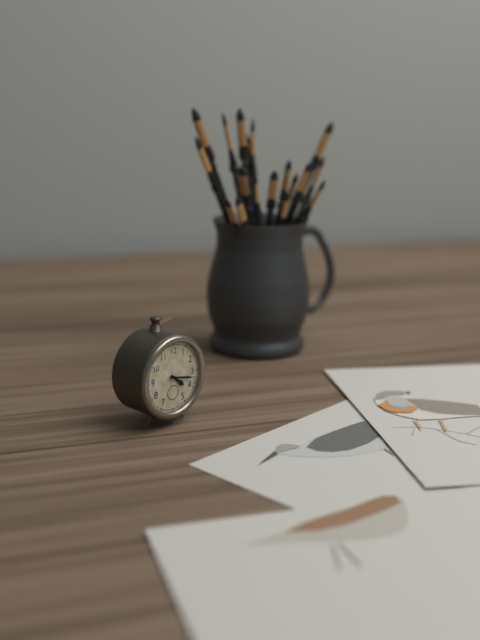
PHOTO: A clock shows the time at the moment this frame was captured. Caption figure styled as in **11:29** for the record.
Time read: **4:17**
